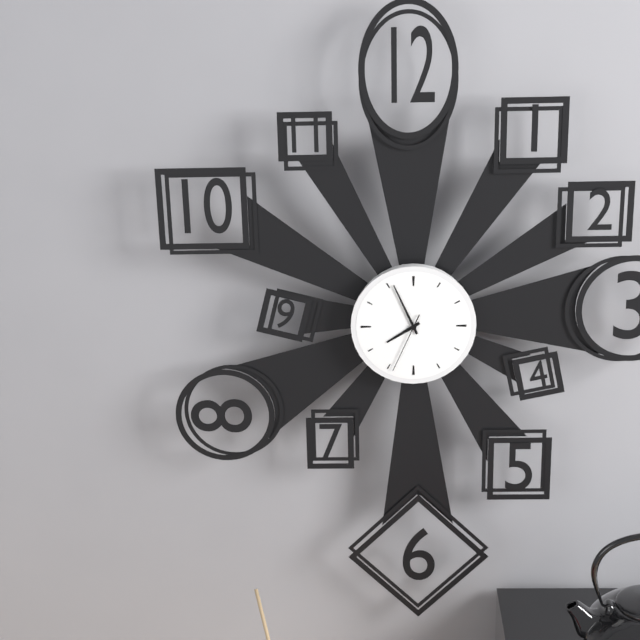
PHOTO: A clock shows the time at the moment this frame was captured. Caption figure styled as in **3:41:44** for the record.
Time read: **7:56:34**
